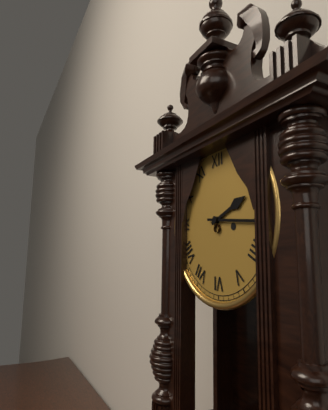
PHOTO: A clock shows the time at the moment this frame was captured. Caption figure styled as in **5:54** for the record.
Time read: **2:16**
